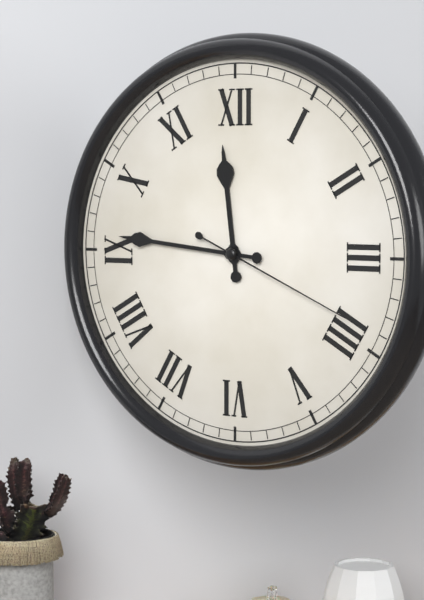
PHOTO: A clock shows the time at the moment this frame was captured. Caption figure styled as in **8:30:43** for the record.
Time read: **11:46:19**
